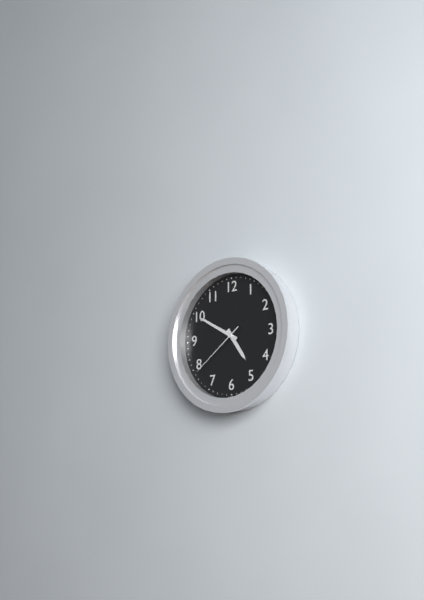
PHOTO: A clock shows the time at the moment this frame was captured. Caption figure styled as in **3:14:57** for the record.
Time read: **4:50:39**
